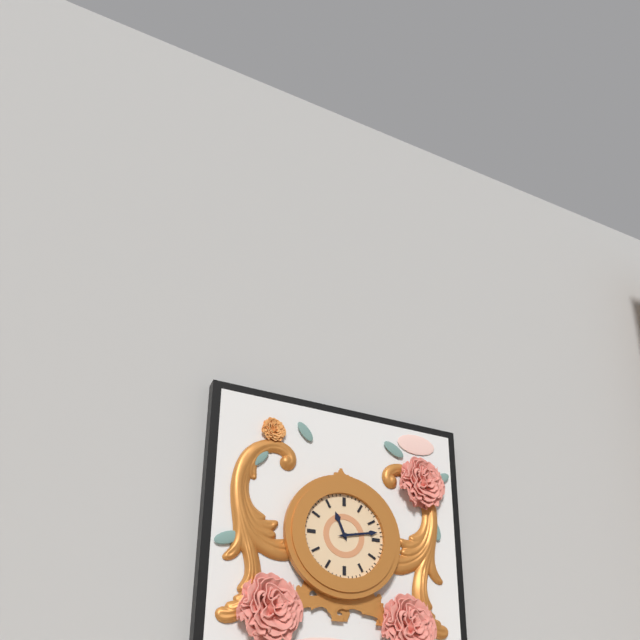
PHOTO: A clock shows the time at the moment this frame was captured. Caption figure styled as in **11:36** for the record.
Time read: **11:13**
